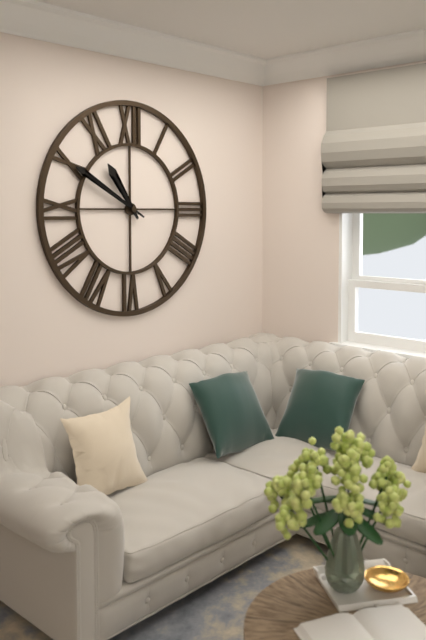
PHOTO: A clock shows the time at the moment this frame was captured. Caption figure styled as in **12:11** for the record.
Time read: **10:50**
